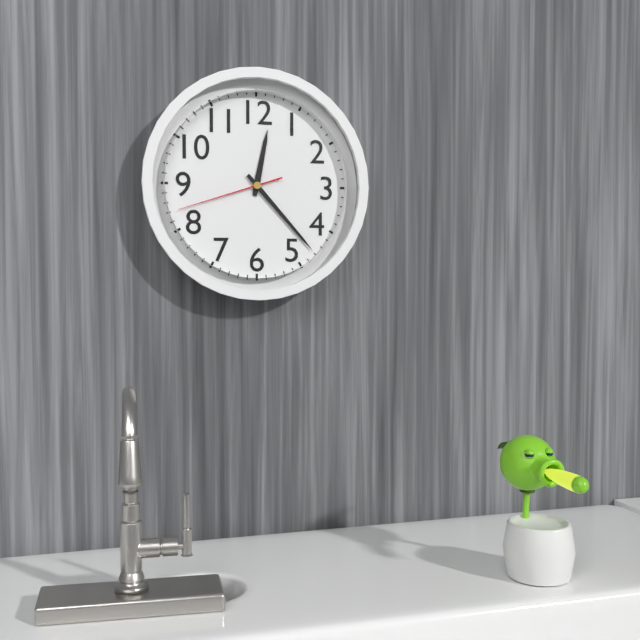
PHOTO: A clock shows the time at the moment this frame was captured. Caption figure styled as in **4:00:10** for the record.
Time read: **12:23:42**
